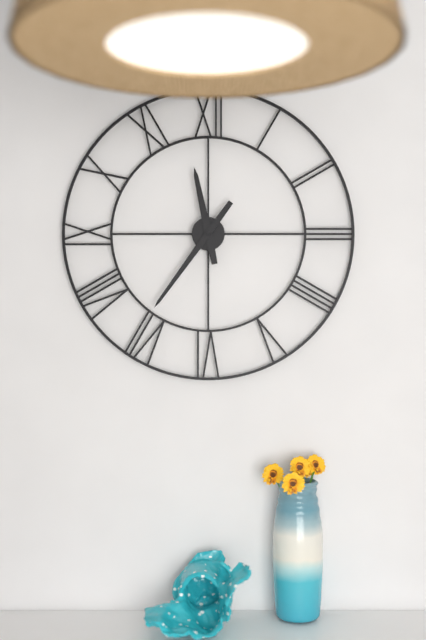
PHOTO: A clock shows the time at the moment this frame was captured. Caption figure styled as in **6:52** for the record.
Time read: **11:36**
